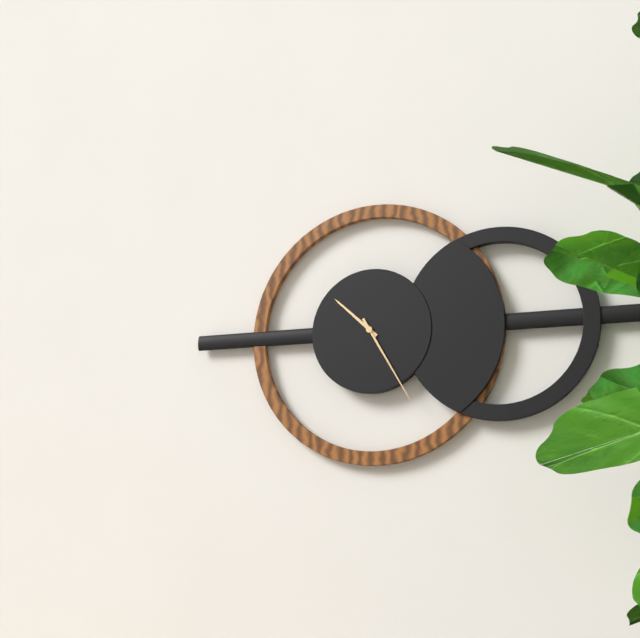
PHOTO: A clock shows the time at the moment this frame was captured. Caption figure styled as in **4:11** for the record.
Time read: **10:25**
